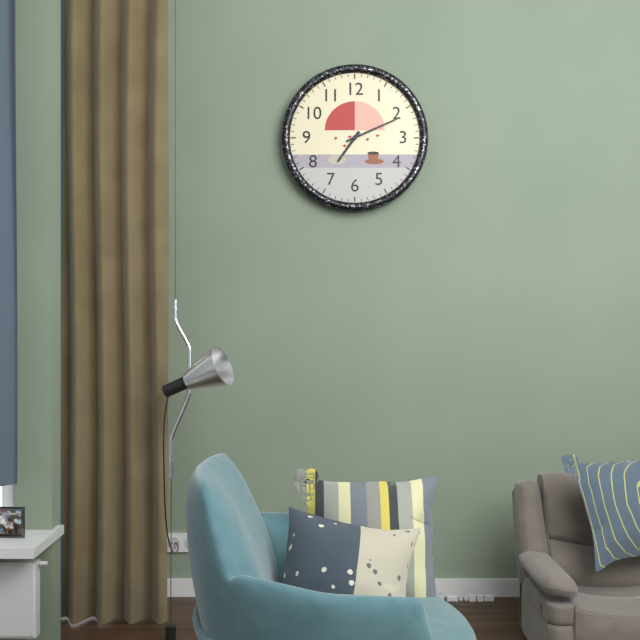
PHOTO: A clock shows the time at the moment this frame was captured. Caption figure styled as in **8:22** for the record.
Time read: **7:11**
